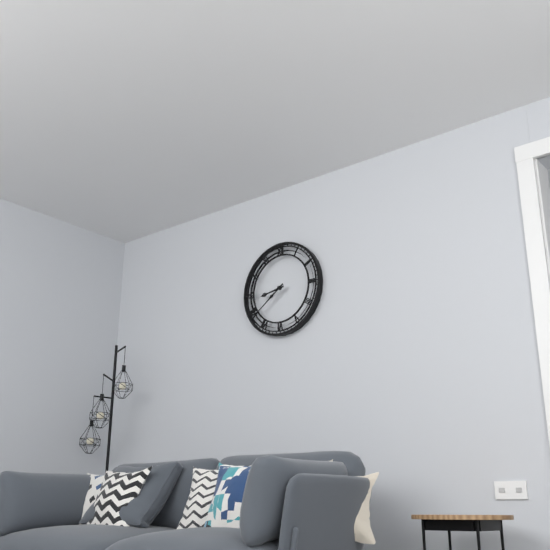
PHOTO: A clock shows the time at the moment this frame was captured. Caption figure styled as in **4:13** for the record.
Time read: **8:39**
